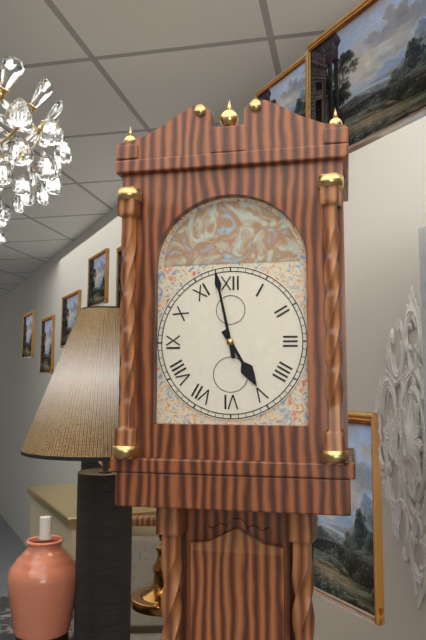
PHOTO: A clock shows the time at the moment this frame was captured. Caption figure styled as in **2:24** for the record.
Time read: **4:58**
